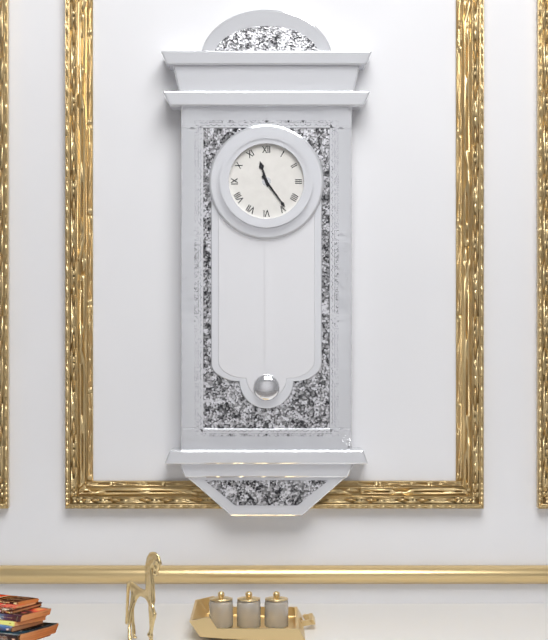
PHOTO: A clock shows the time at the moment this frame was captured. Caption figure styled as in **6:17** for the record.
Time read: **11:24**
